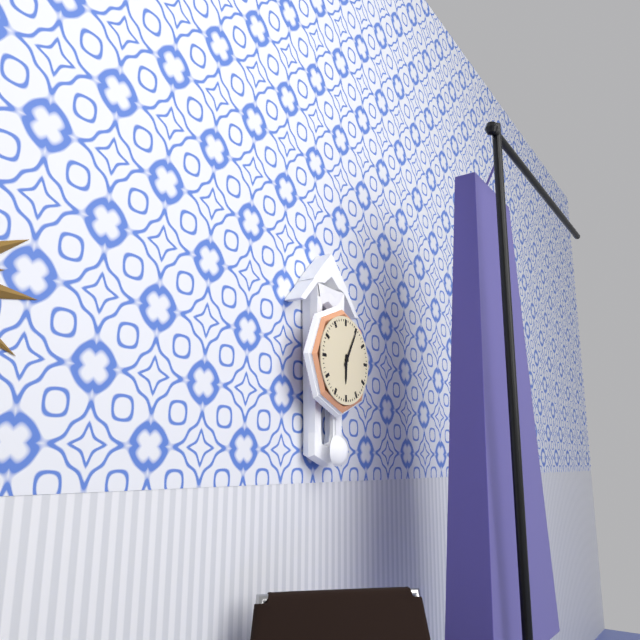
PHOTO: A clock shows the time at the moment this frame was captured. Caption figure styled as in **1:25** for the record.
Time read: **6:05**
